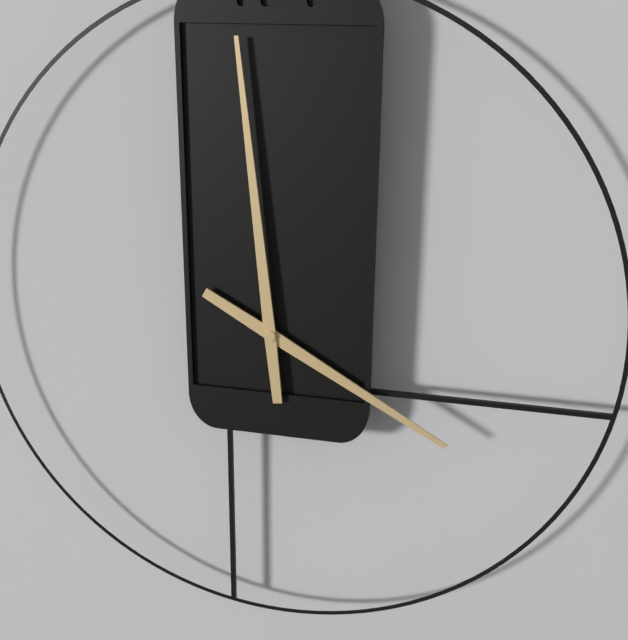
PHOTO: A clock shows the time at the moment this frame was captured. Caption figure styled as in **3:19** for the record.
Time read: **3:59**
